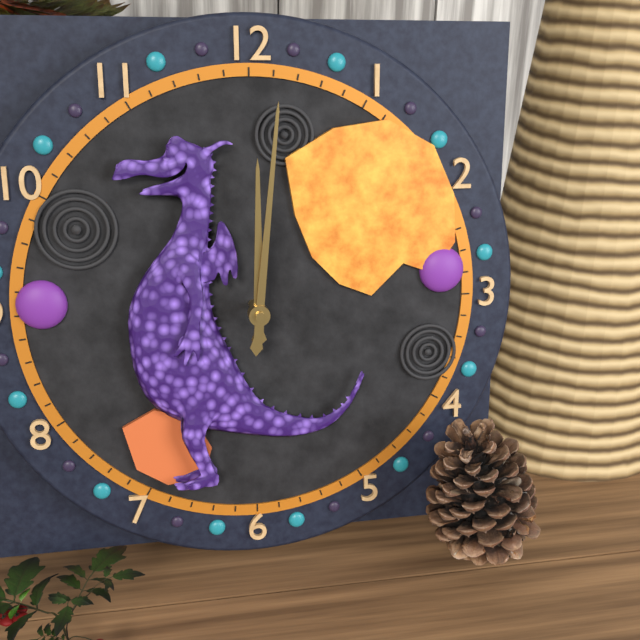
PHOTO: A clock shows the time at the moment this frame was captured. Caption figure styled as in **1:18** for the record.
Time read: **12:01**
